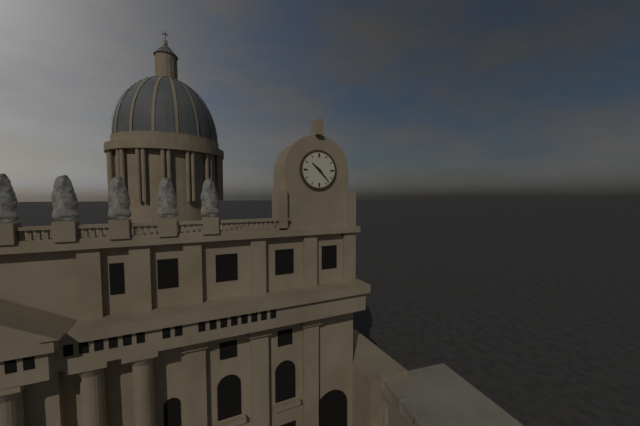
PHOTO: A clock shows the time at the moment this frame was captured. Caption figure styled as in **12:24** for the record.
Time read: **10:23**
